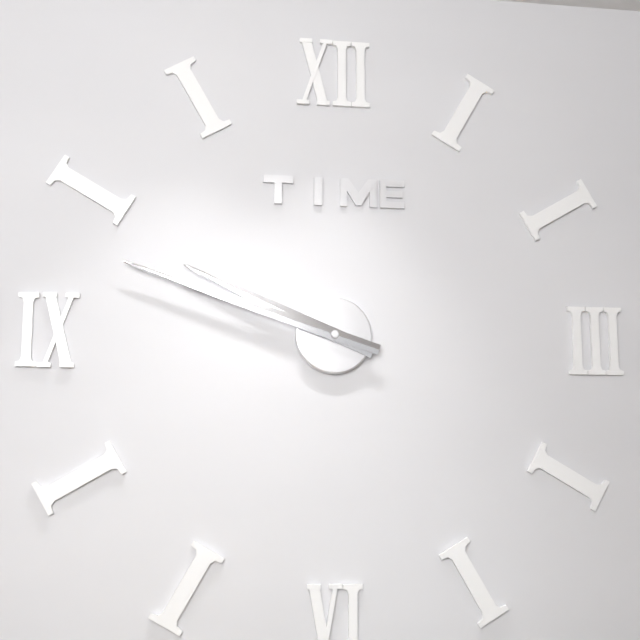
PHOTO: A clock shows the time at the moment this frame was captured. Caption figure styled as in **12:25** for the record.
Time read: **9:48**
